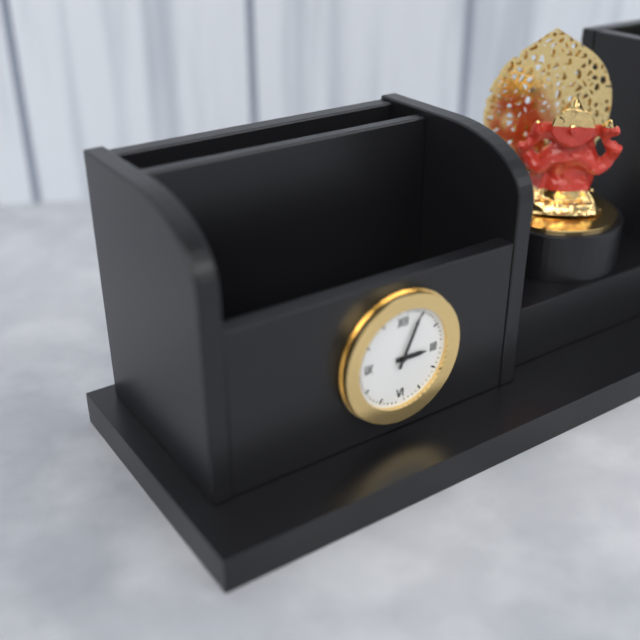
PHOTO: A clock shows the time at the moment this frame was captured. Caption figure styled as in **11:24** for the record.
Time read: **3:04**
